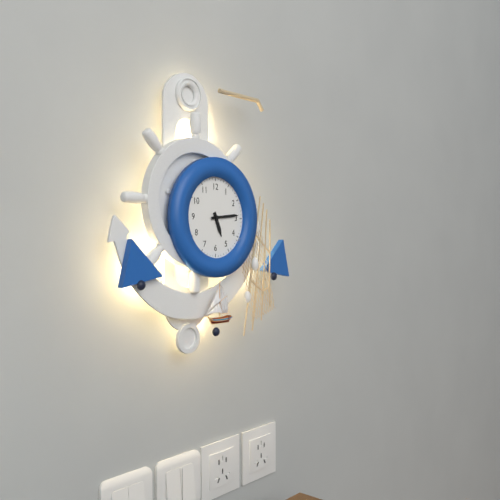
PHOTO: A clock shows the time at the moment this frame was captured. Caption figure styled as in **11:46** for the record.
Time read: **5:14**
